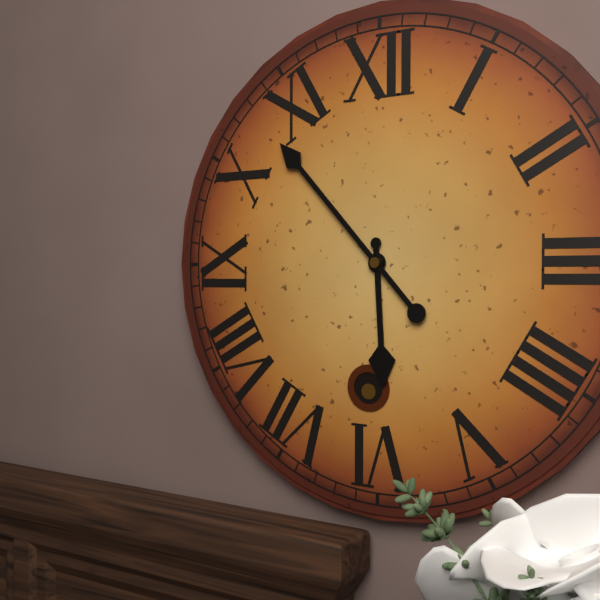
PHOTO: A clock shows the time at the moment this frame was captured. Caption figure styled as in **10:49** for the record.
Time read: **5:53**
